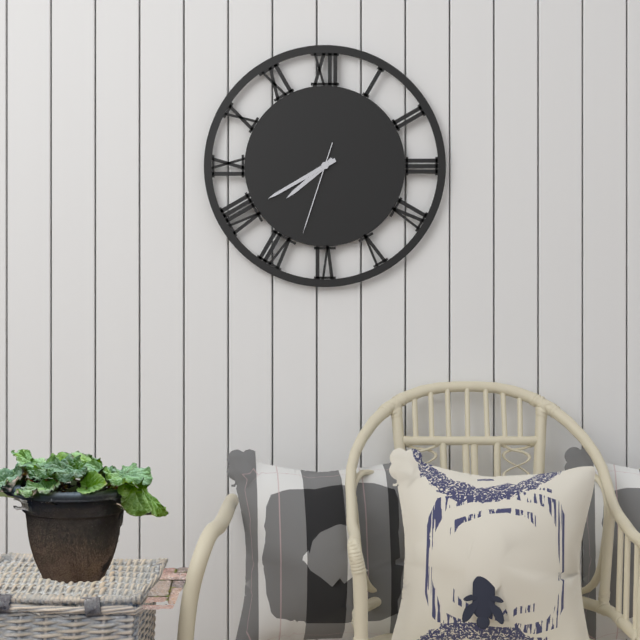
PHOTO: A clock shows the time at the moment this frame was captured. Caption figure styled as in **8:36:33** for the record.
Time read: **7:40:33**
